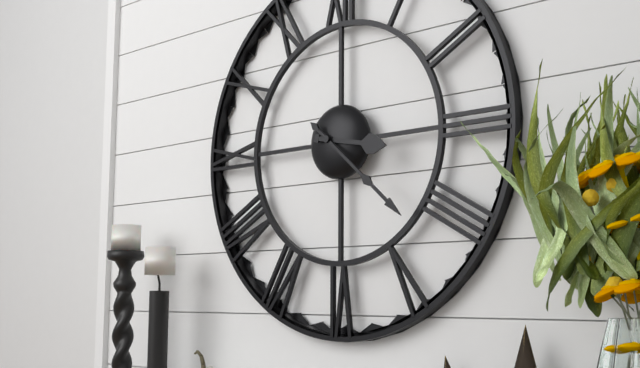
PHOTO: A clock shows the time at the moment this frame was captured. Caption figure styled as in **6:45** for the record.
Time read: **3:22**
